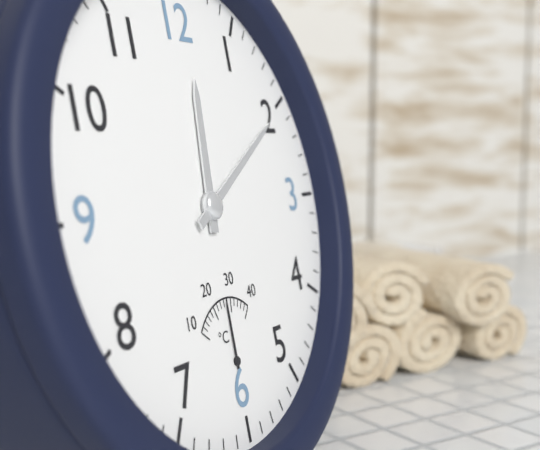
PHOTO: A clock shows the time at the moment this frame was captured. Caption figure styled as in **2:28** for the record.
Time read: **12:10**
